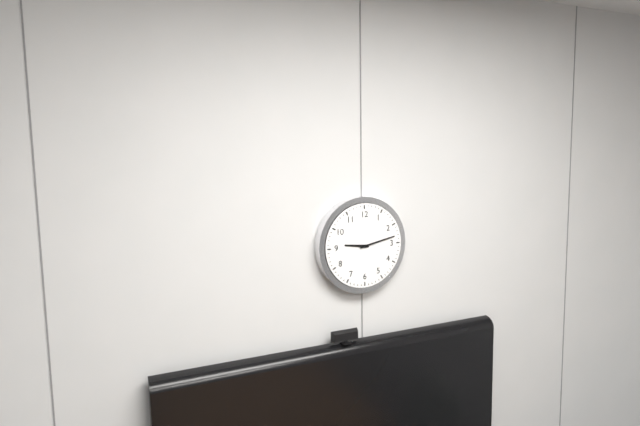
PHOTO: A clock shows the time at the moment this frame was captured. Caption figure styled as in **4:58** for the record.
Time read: **9:13**
